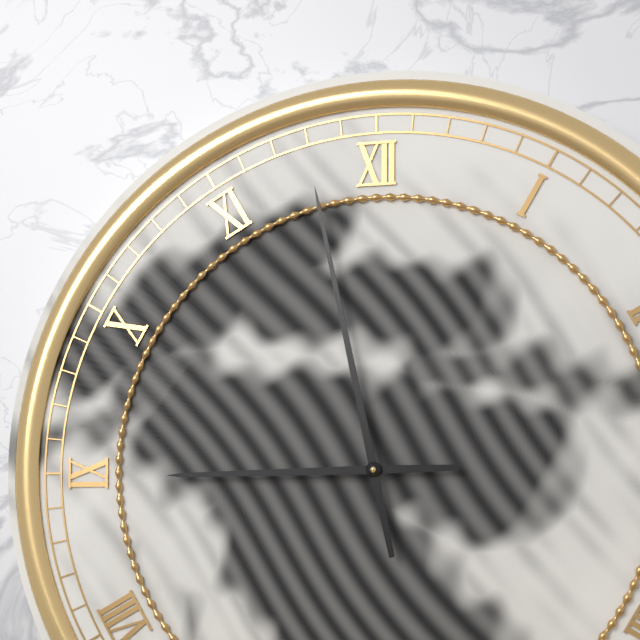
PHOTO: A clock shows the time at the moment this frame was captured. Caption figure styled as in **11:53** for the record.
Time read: **8:58**
